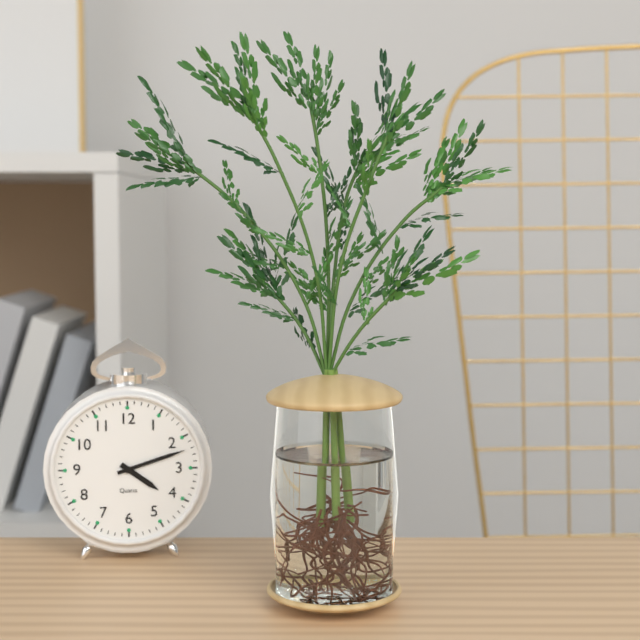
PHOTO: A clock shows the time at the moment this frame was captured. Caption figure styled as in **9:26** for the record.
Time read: **4:12**
